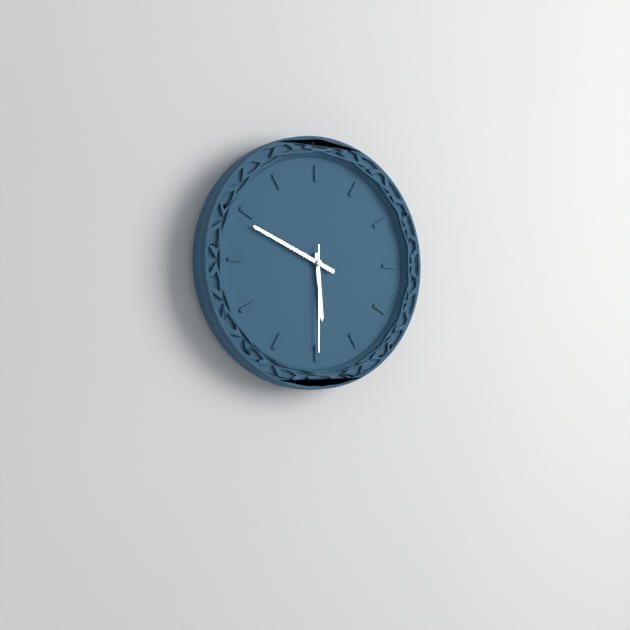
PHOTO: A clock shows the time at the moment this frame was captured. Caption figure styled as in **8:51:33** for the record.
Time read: **5:49:30**
